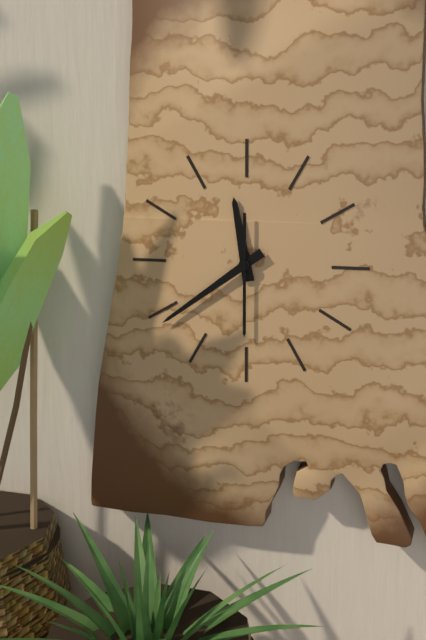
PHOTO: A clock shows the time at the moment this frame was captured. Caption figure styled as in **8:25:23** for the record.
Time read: **11:39:30**
